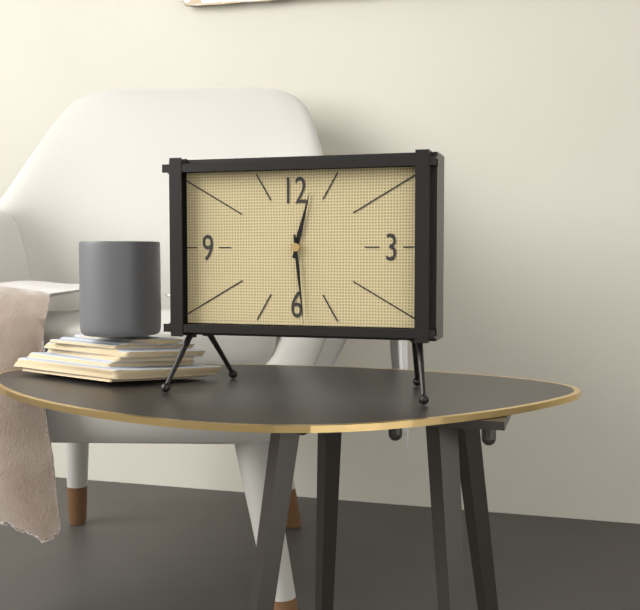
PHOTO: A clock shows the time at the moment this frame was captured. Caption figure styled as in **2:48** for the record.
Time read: **12:29**
